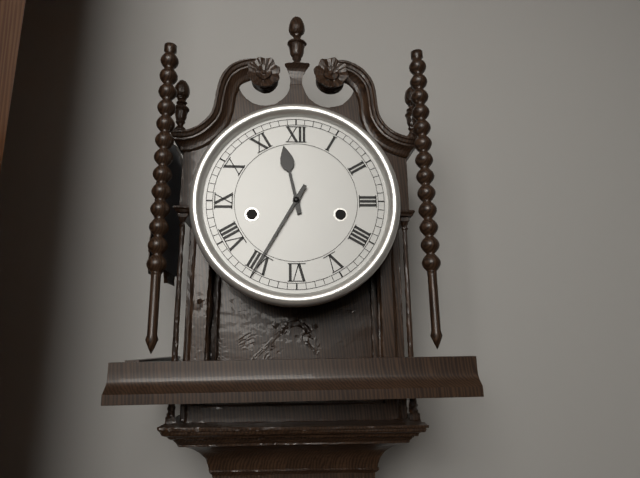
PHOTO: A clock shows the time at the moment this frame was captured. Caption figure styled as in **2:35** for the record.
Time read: **11:35**
